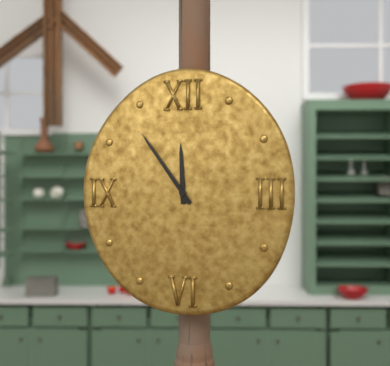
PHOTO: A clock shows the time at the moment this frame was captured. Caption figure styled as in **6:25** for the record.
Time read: **11:54**
